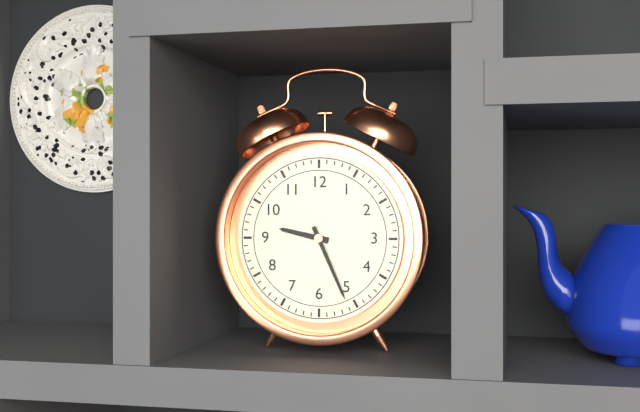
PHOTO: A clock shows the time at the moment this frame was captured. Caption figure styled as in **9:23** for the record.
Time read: **9:26**
